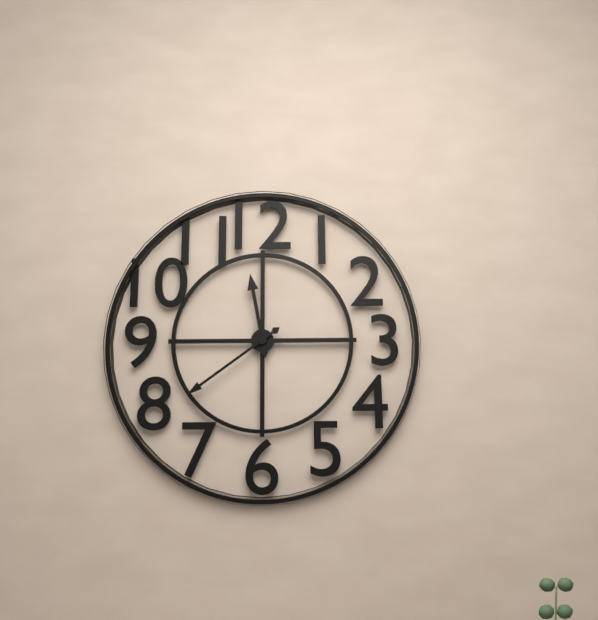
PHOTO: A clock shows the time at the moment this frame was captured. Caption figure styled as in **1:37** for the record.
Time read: **11:39**
